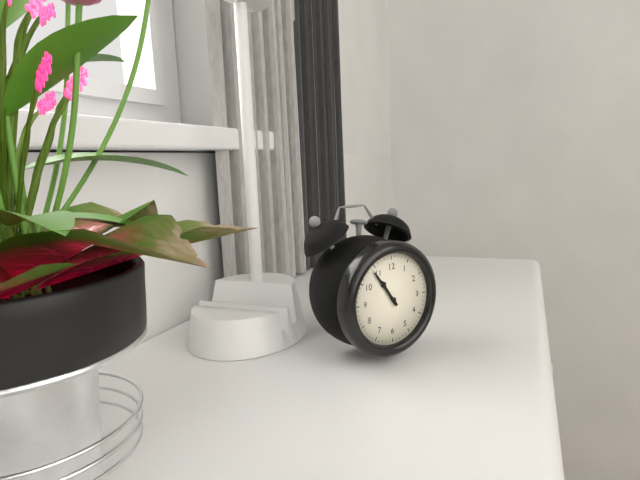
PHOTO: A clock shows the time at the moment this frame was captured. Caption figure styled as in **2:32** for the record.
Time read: **10:54**
